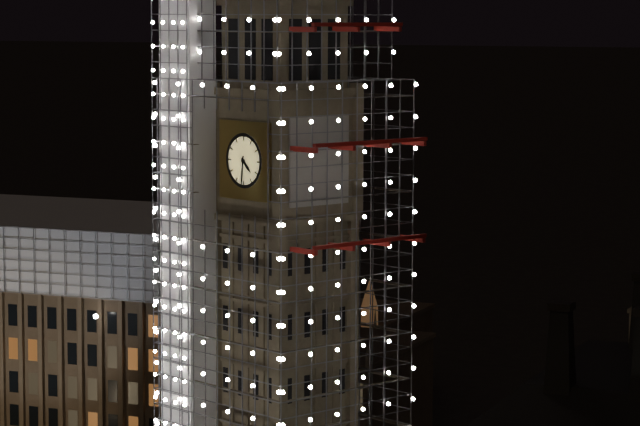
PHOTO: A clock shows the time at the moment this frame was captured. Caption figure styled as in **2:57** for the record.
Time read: **4:31**
